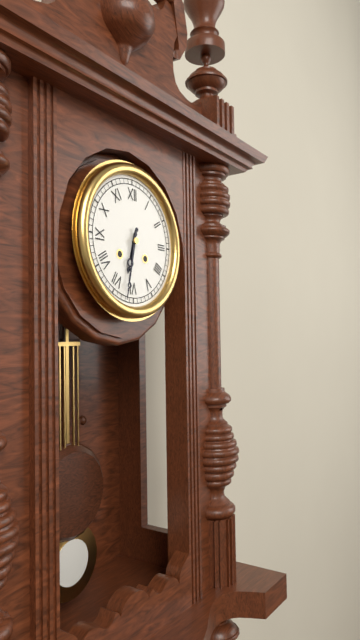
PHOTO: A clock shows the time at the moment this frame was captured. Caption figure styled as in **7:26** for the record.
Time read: **6:32**
